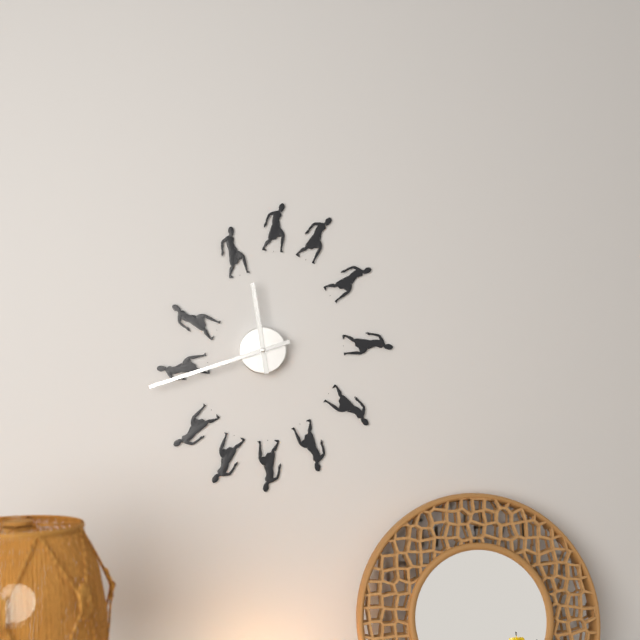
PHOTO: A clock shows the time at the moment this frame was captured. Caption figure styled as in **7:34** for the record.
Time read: **11:42**
